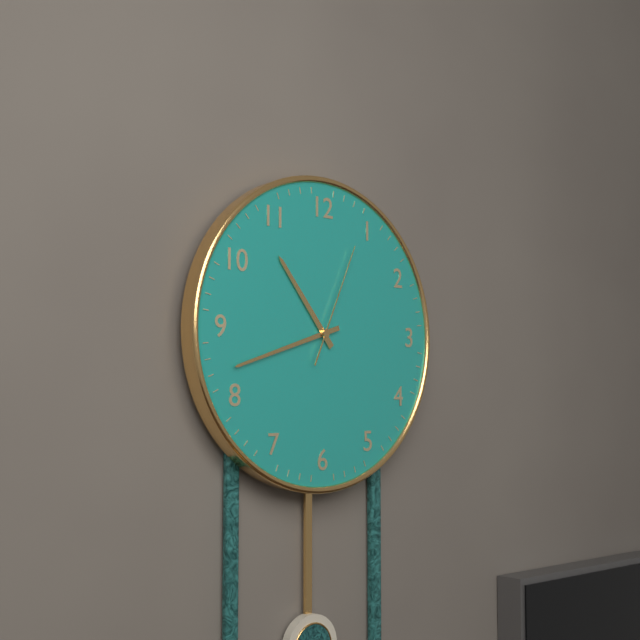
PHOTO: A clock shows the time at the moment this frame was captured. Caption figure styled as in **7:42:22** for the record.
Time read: **10:42:04**
